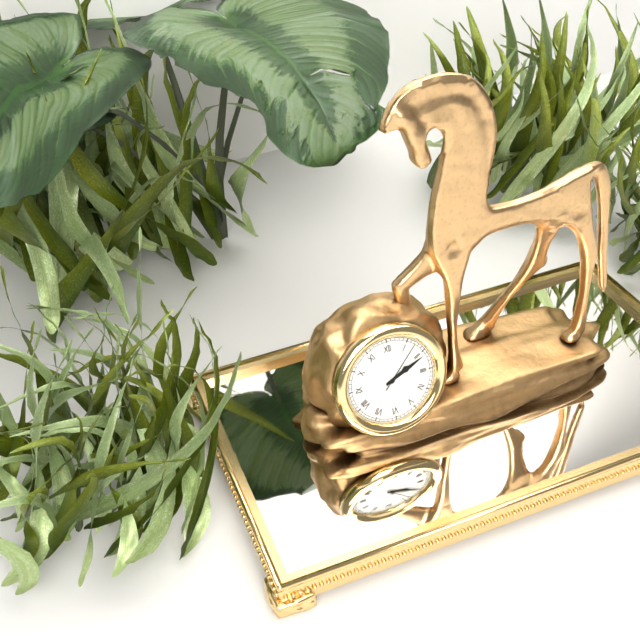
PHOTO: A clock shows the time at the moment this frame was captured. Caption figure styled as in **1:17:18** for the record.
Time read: **2:11:07**
